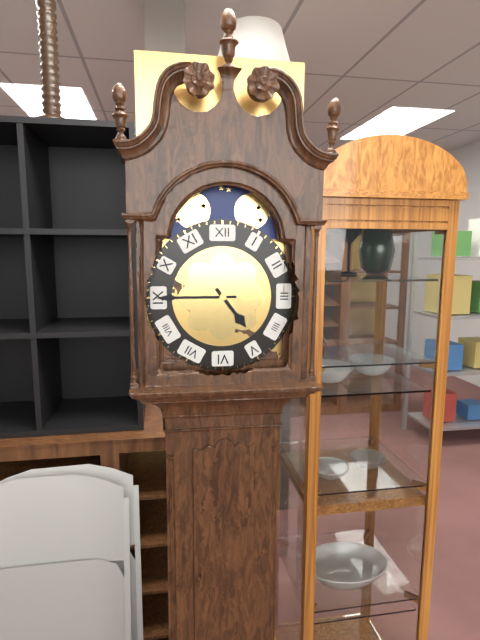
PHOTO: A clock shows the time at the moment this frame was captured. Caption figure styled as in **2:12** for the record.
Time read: **4:45**
